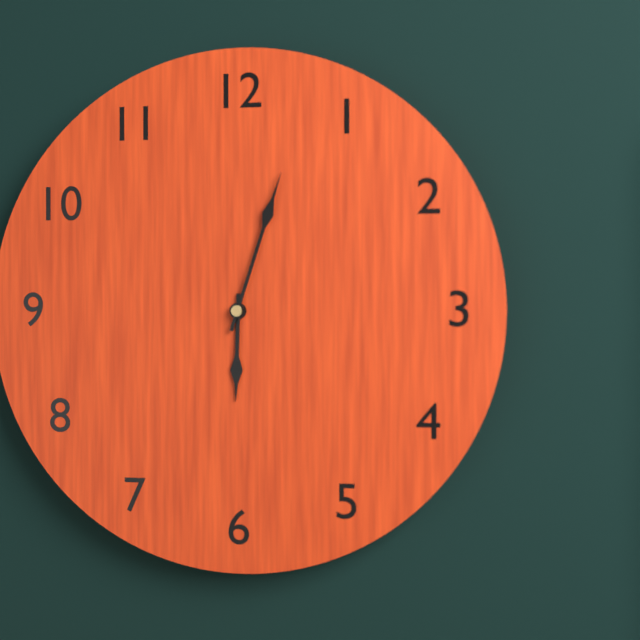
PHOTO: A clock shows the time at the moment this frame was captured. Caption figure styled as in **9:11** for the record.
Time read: **6:03**
